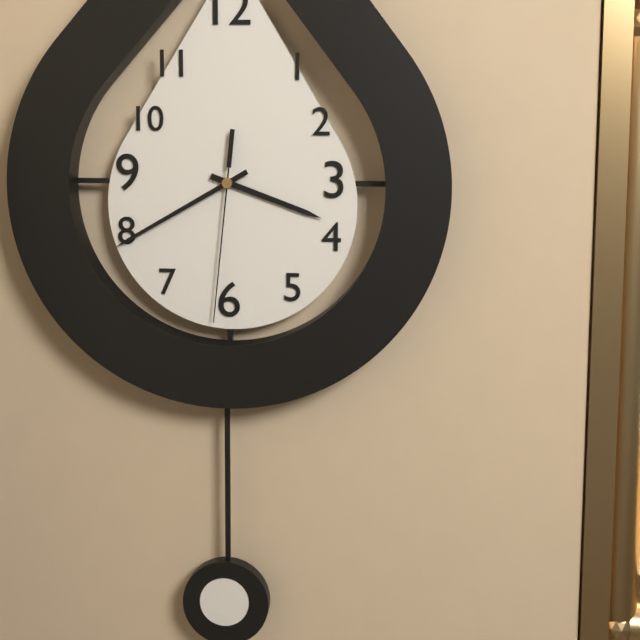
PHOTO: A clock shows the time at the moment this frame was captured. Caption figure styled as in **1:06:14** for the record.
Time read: **3:40:31**
